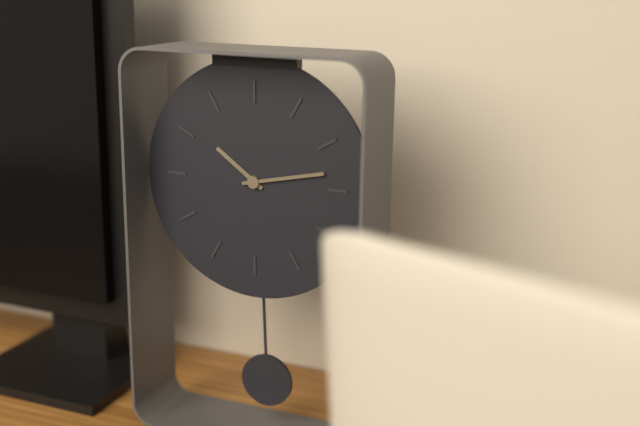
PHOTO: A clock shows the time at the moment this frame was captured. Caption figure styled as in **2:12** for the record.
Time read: **10:13**
